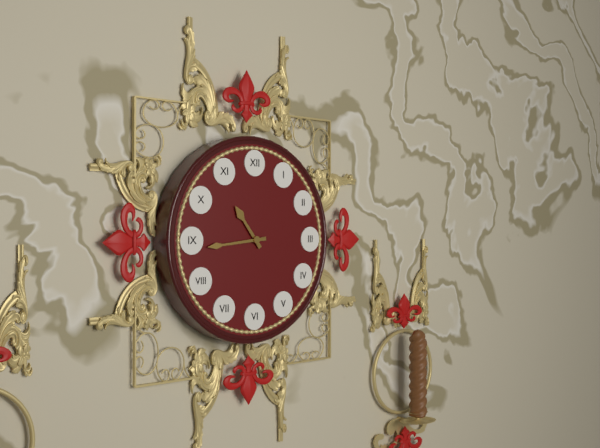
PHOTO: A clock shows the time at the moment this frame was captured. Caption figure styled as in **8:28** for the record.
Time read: **10:44**
